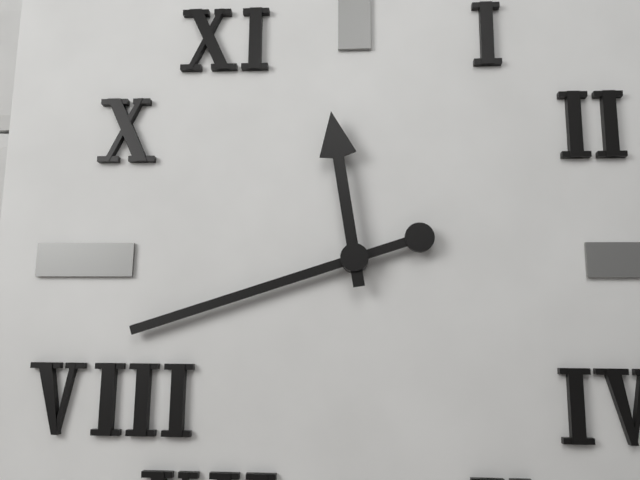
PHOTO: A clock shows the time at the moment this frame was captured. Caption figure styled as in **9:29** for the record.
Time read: **11:42**
